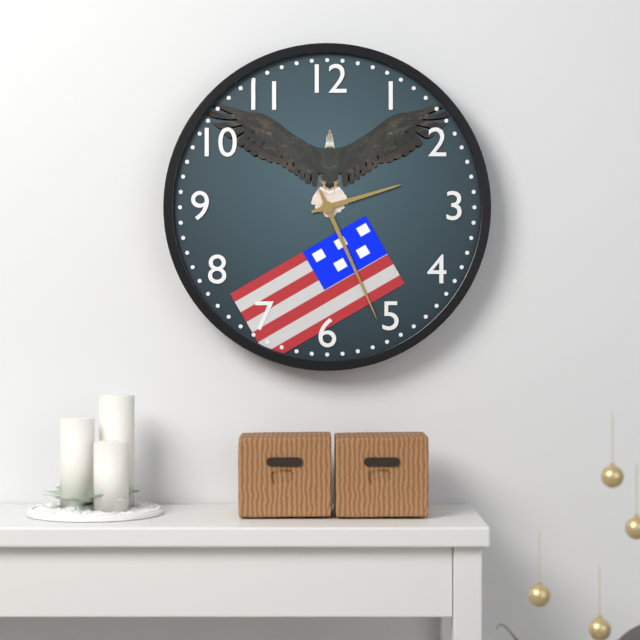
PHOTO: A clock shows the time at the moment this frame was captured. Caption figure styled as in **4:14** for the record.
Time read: **2:26**
